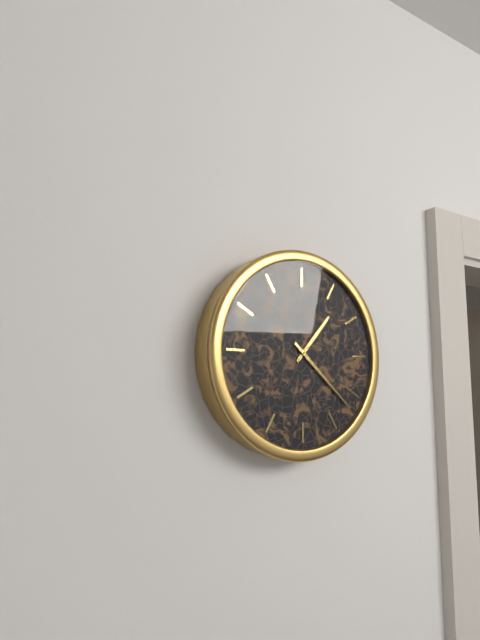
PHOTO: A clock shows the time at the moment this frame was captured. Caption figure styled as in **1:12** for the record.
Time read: **1:22**
